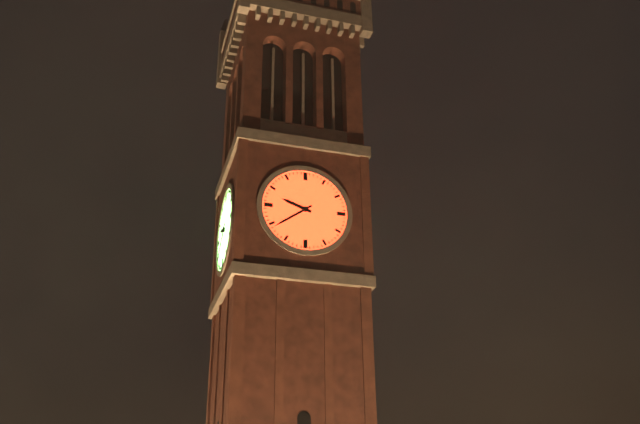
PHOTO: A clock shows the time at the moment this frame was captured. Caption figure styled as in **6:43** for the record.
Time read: **9:39**
